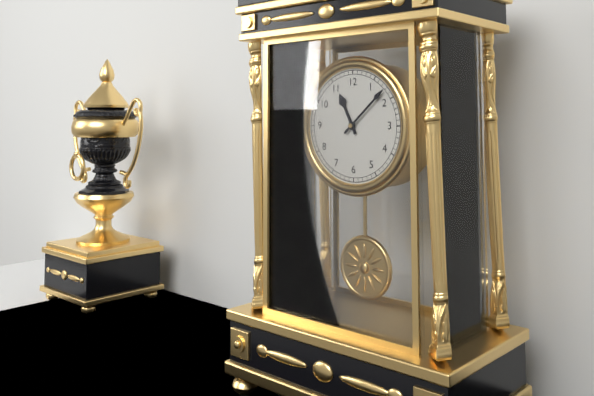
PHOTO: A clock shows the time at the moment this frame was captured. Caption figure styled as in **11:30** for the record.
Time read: **11:08**
